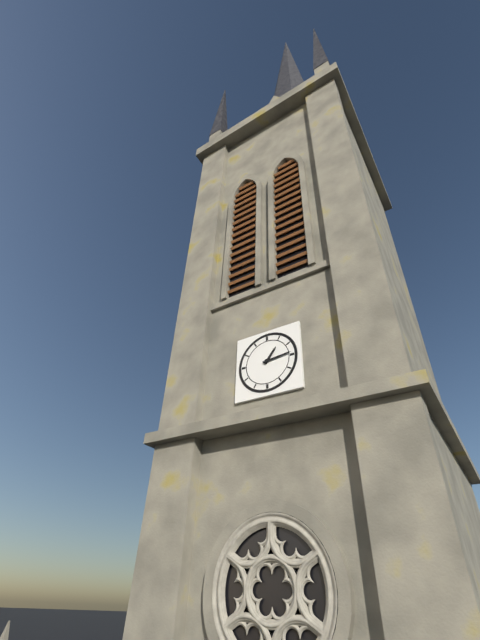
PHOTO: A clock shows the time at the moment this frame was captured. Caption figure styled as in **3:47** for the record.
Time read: **1:14**
